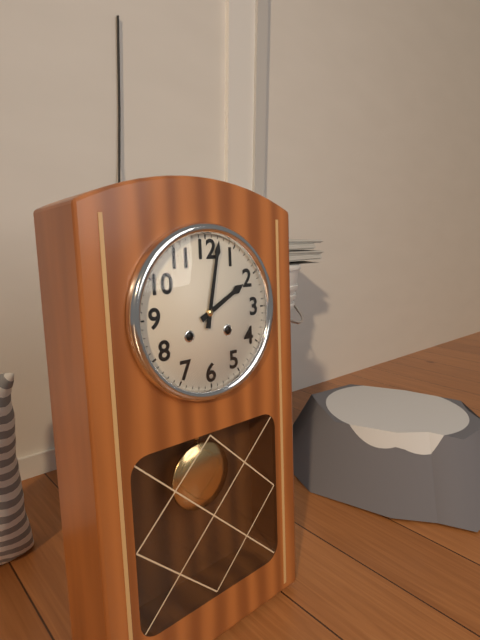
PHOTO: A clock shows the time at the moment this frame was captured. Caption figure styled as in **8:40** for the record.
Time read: **2:02**
